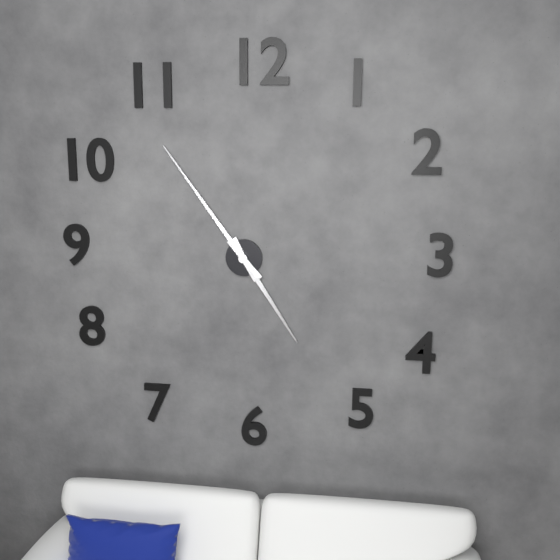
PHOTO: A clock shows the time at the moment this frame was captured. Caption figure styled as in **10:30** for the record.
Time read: **4:54**
